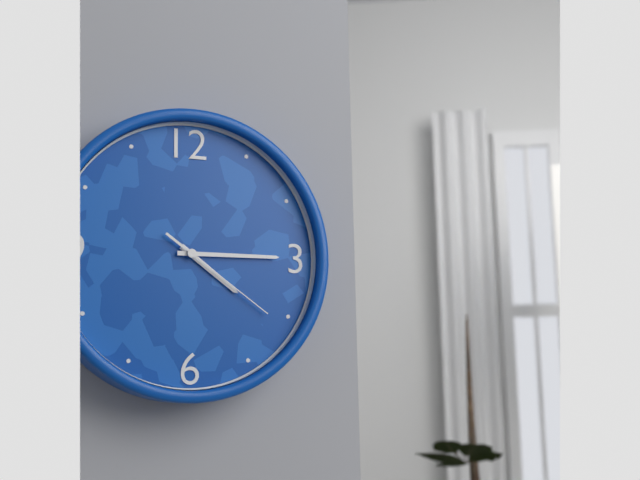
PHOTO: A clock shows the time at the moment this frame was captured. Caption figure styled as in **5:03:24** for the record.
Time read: **4:15:21**
